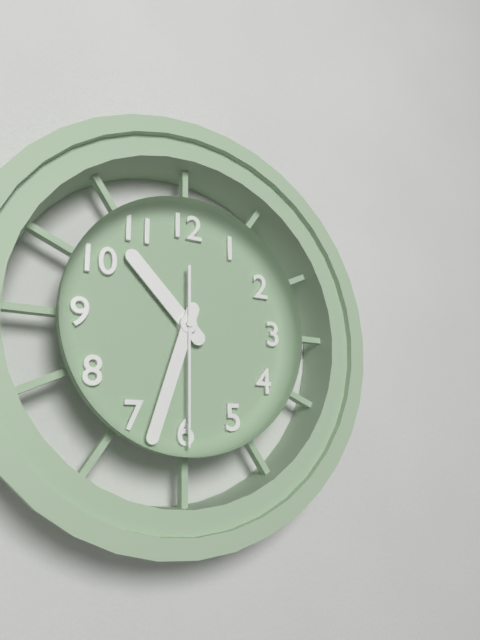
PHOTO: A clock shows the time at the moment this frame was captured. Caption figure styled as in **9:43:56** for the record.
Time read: **10:33:30**
